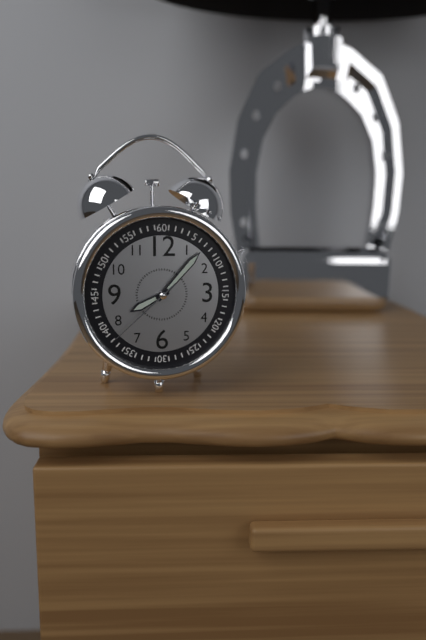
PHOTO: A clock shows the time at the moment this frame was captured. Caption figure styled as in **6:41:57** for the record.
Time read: **8:07:38**
